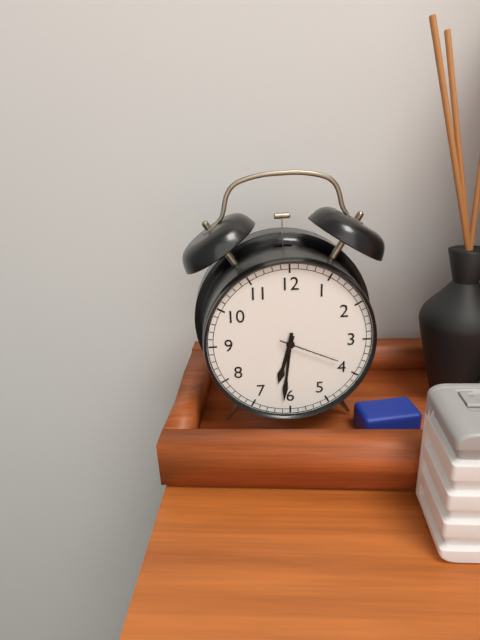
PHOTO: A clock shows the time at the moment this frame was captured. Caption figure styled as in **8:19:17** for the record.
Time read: **6:31:19**
